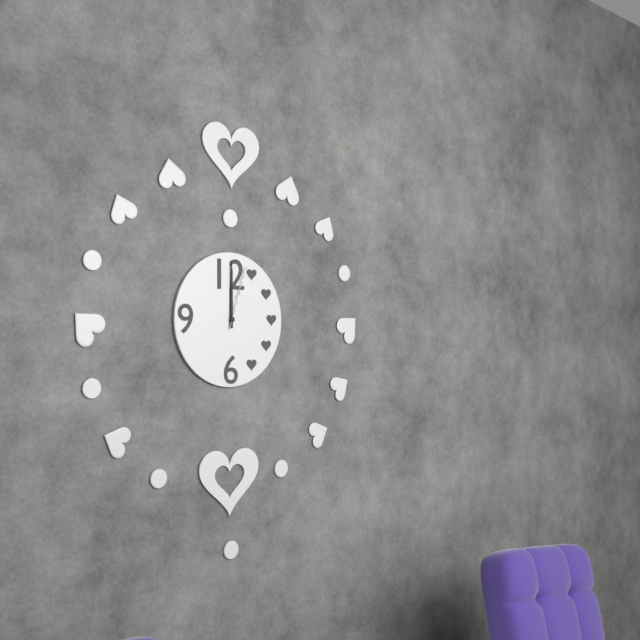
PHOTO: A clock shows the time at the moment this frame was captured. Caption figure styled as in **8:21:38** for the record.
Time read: **12:00:03**
